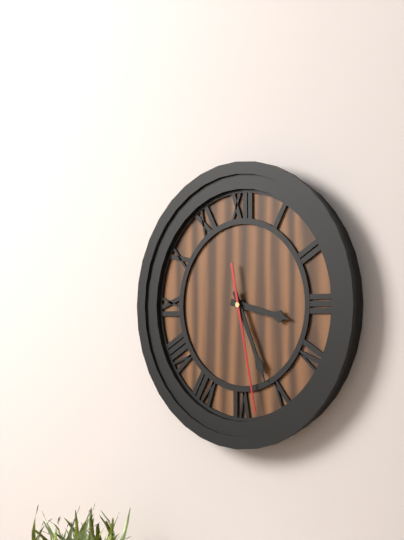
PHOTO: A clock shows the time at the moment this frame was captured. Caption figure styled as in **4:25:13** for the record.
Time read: **3:26:28**
